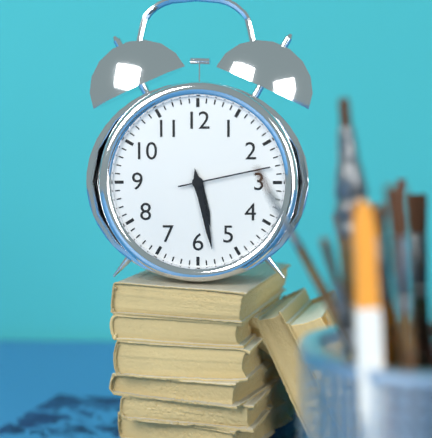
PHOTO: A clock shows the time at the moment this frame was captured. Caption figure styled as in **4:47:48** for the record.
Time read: **5:28:13**
